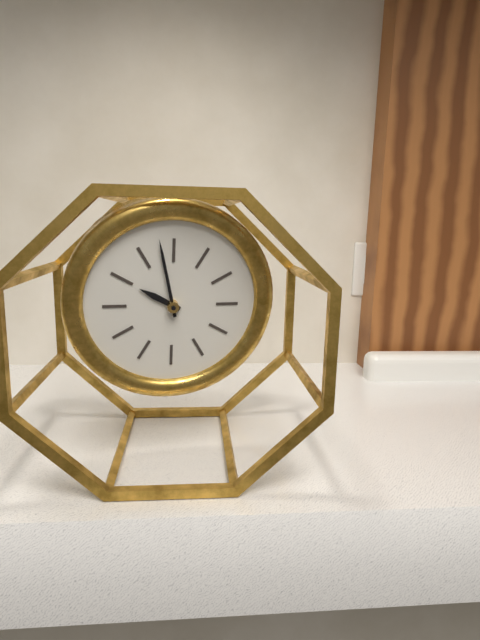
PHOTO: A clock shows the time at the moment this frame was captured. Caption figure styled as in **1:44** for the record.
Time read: **9:58**
